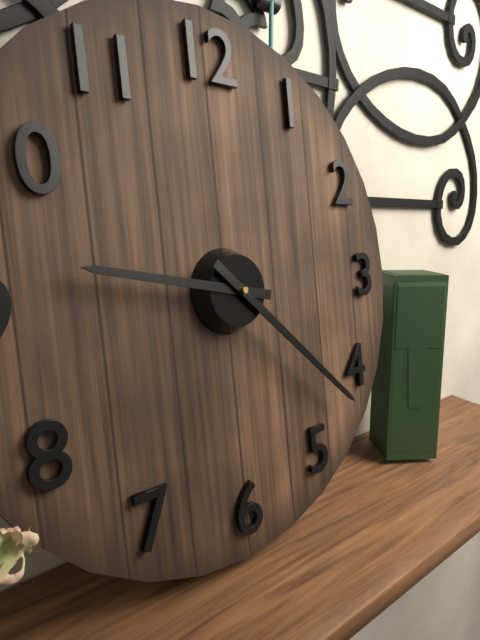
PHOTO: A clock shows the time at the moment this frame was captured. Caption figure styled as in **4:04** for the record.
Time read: **9:22**
